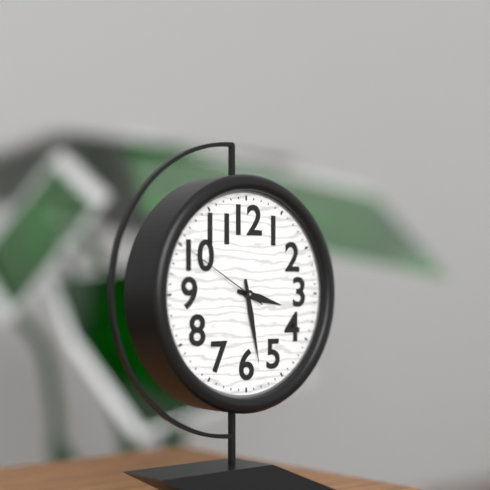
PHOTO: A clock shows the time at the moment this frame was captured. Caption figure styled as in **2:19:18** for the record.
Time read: **3:28:50**
